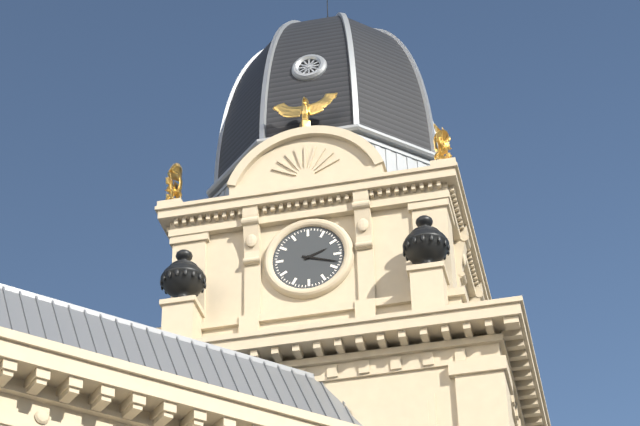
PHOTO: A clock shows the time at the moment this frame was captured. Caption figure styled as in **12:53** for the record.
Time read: **2:18**
